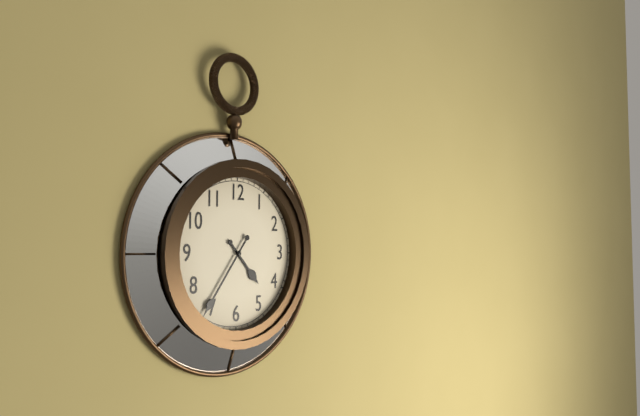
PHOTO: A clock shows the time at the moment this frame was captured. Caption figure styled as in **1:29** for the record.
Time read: **4:36**
